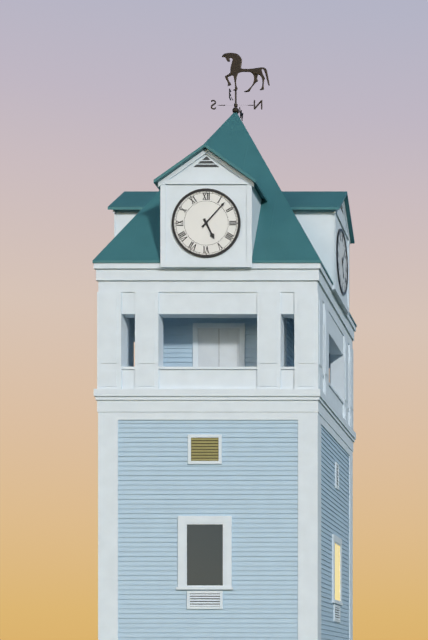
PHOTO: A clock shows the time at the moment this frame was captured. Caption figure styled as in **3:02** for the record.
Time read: **5:07**
